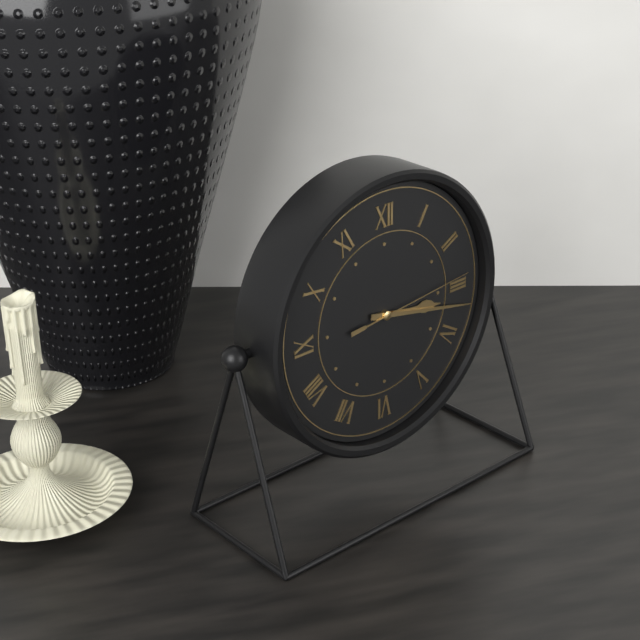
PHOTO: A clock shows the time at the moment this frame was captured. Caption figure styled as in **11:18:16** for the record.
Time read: **3:17:14**
